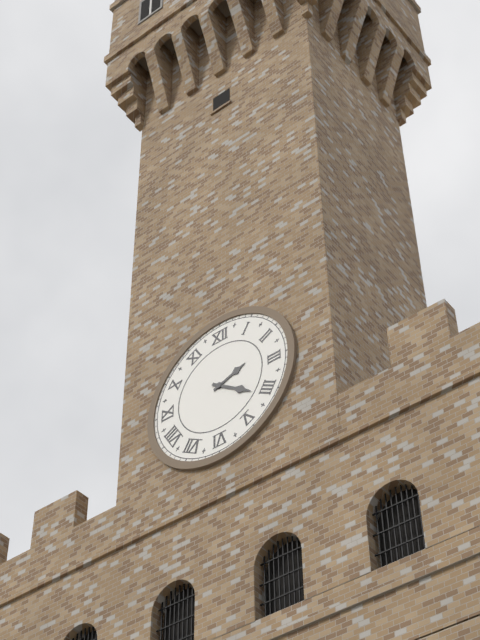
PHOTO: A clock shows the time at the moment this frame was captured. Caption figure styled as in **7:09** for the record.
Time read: **2:21**
